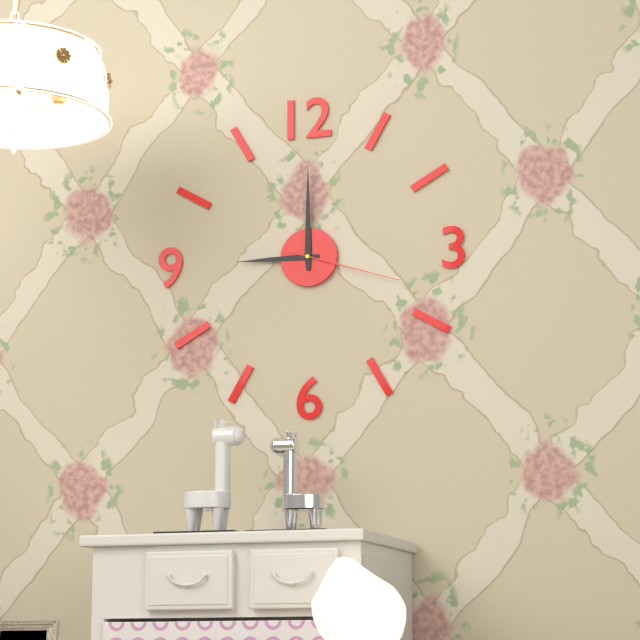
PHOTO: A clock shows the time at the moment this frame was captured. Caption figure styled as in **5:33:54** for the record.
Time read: **9:00:18**
